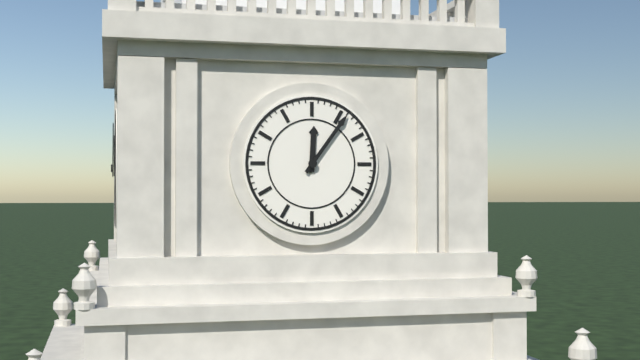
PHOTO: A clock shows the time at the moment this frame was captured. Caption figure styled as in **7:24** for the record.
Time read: **12:06**
